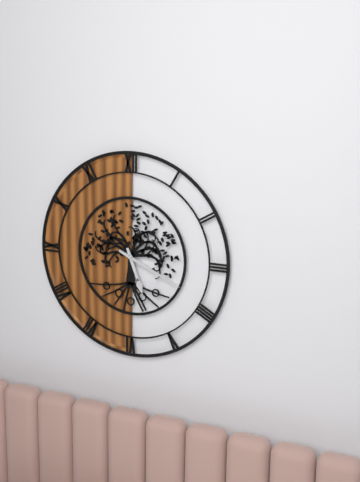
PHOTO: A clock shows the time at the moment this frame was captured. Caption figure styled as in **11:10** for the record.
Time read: **5:19**
